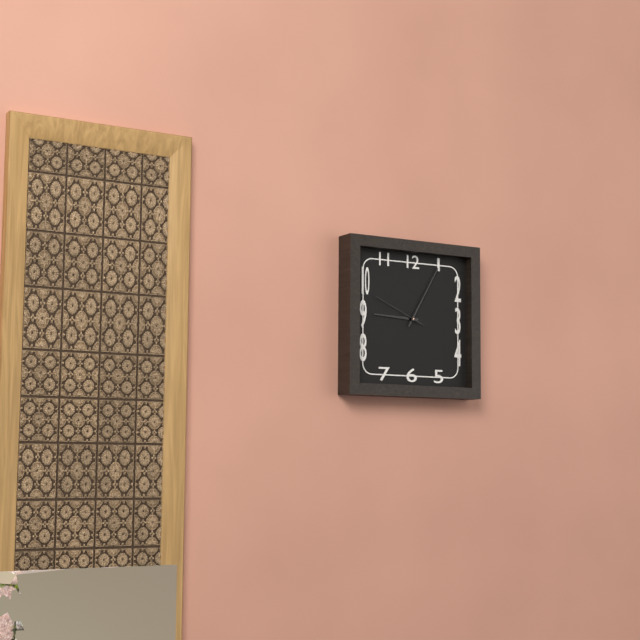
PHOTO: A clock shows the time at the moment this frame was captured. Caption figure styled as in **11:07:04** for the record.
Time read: **9:05:49**
